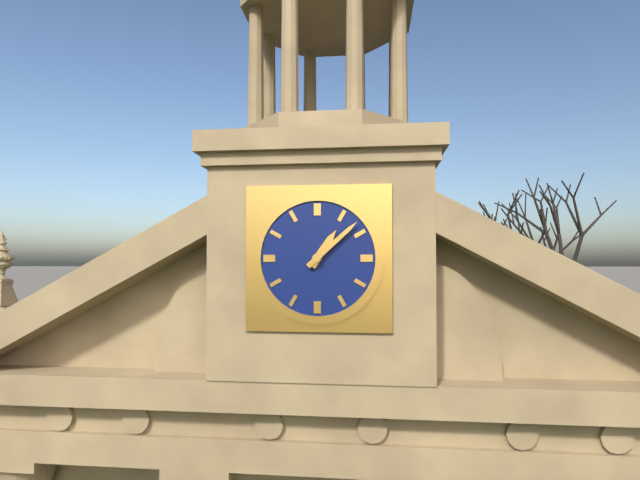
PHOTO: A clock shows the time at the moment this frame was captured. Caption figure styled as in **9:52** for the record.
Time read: **1:08**
